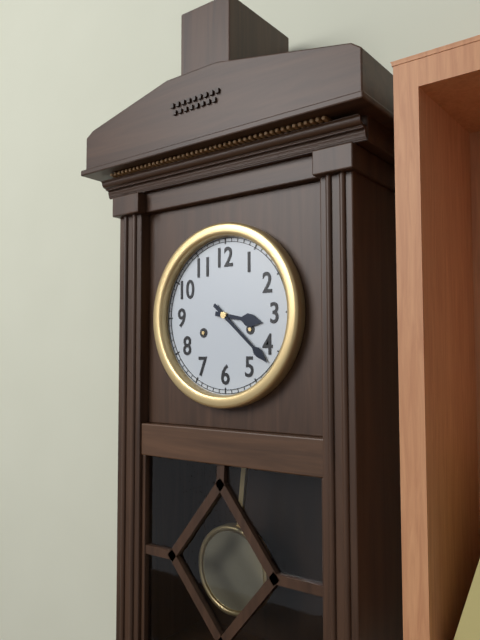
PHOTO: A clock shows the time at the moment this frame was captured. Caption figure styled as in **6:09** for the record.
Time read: **3:22**
